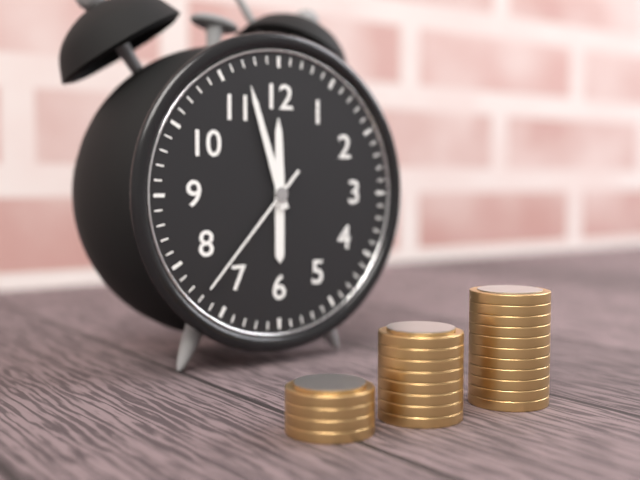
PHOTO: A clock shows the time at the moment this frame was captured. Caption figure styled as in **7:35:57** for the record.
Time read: **11:57:37**
